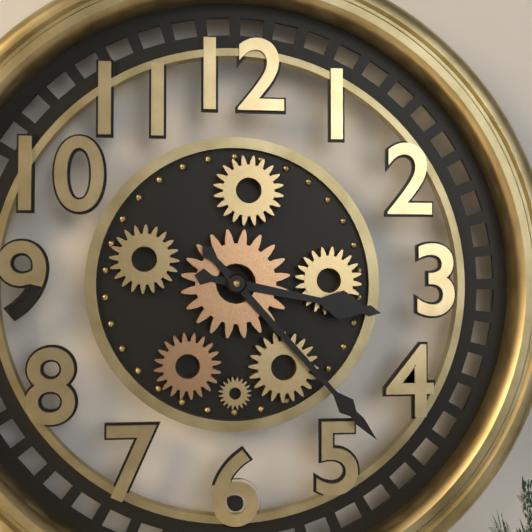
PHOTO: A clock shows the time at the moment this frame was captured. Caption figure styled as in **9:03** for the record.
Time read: **3:23**
